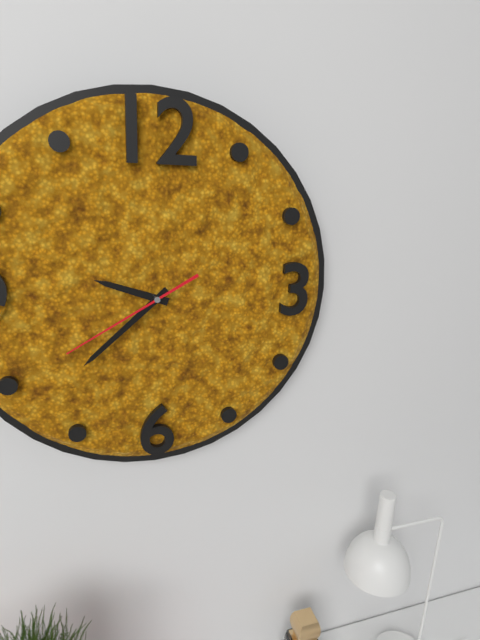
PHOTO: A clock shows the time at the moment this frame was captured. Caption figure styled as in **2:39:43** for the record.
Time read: **9:38:40**
